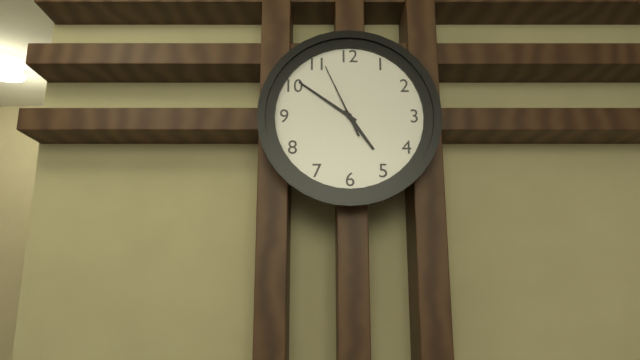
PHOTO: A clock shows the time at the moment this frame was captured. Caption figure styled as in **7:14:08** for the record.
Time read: **4:51:56**
